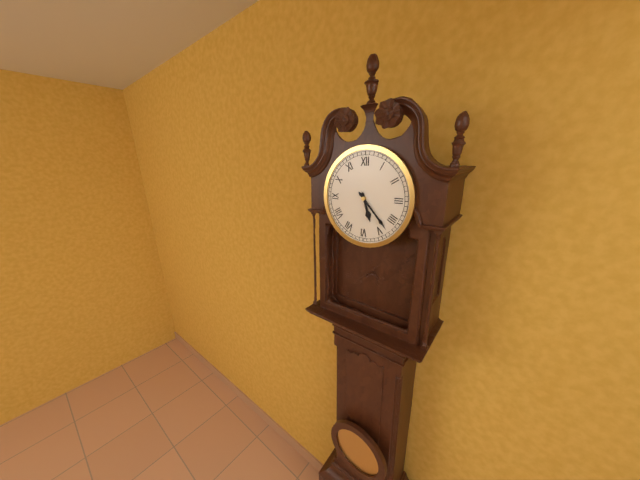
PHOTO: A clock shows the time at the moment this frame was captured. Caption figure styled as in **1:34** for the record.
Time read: **5:23**
